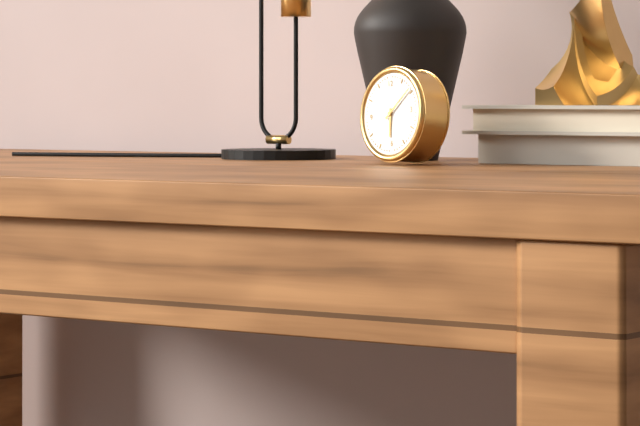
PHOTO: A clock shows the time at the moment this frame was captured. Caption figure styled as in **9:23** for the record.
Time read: **6:09**
